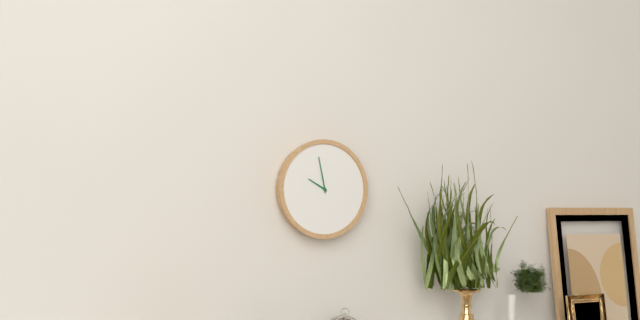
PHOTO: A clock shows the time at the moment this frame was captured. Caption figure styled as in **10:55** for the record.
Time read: **9:58**
